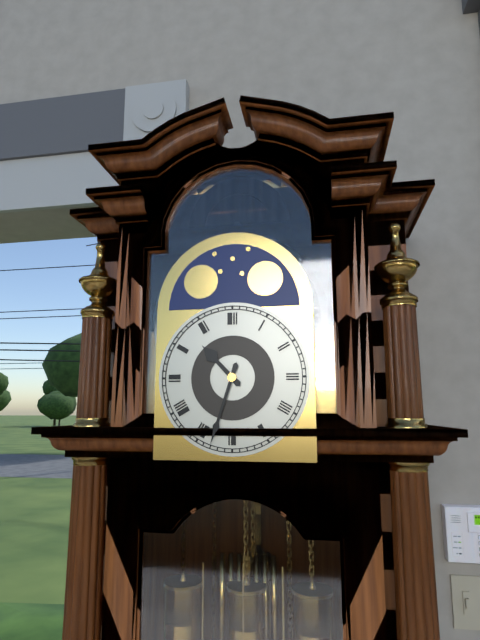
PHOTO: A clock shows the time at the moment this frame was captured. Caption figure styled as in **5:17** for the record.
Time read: **10:33**
